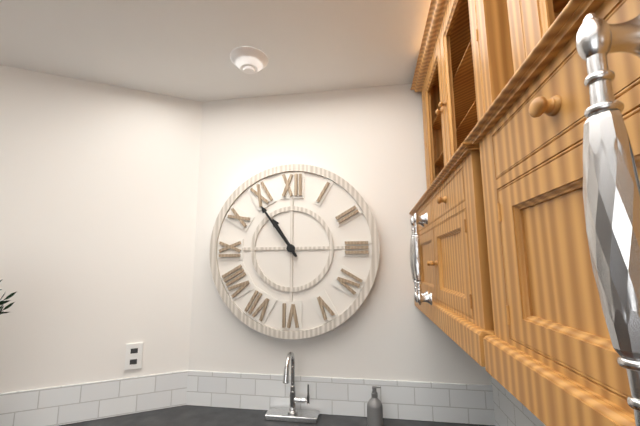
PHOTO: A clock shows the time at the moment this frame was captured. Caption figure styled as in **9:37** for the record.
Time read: **10:54**
